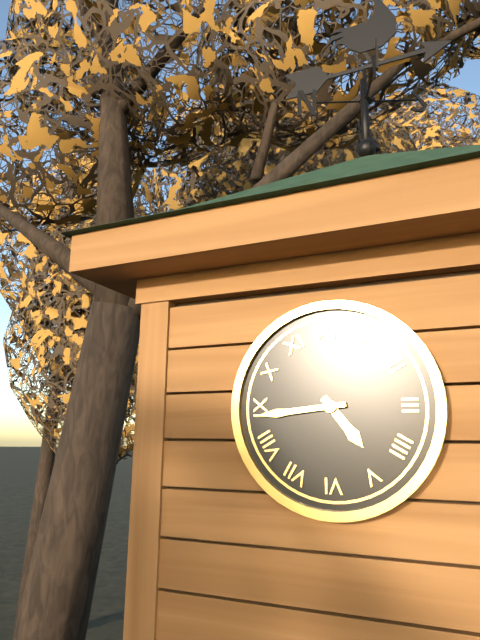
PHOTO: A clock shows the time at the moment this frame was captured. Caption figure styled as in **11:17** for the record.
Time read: **4:44**
